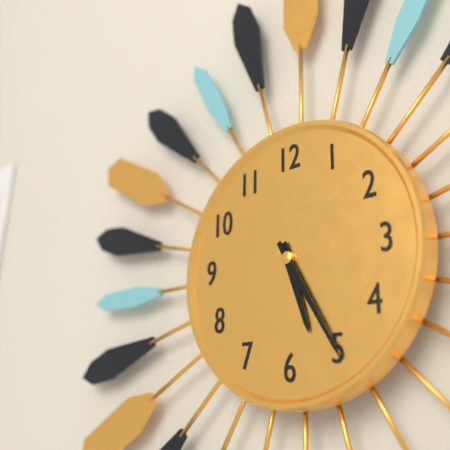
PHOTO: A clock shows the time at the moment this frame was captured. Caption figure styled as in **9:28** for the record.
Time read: **5:25**
